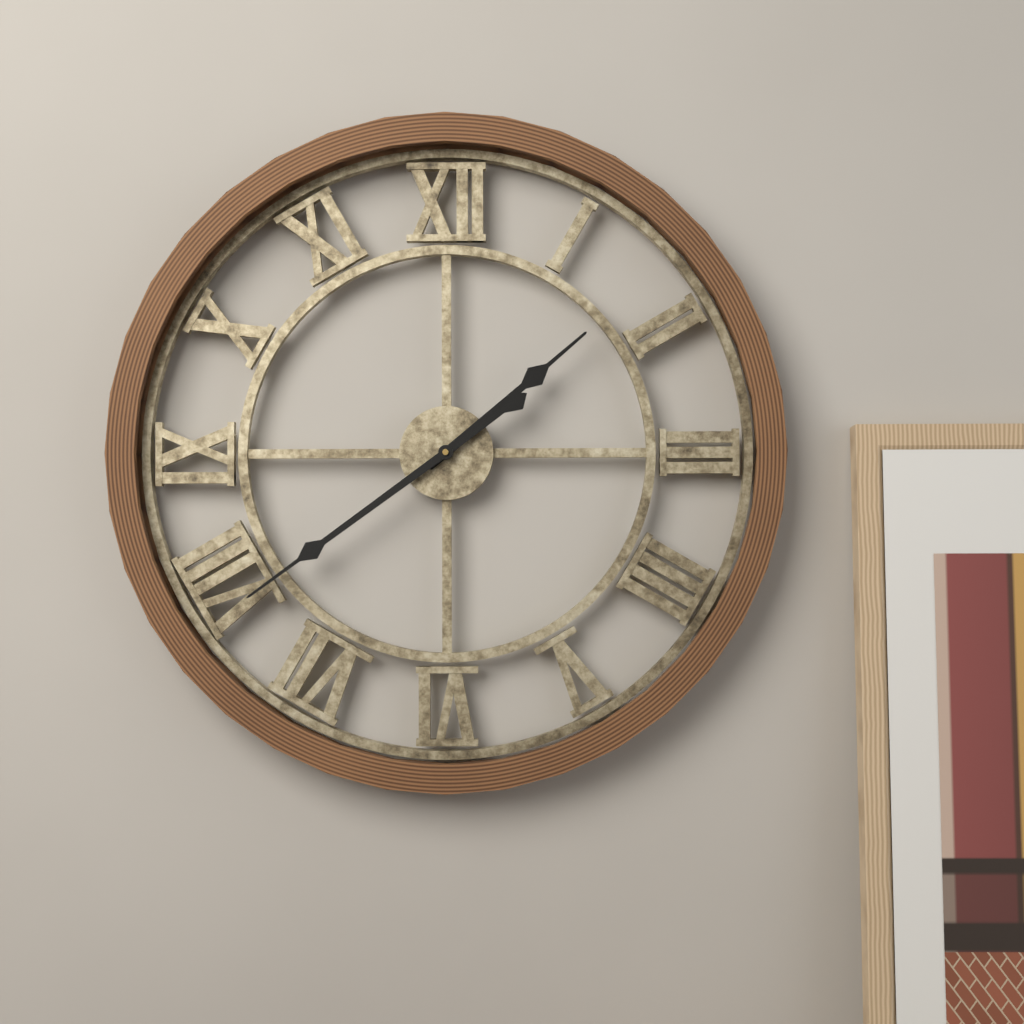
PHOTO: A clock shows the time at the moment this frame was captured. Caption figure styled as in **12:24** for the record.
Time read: **1:39**
